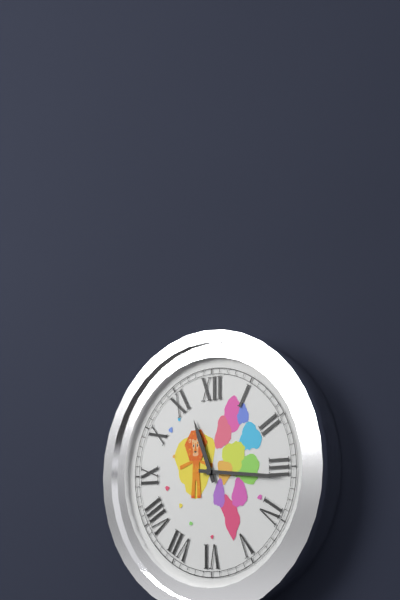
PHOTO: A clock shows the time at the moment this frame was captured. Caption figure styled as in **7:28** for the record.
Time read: **11:16**
